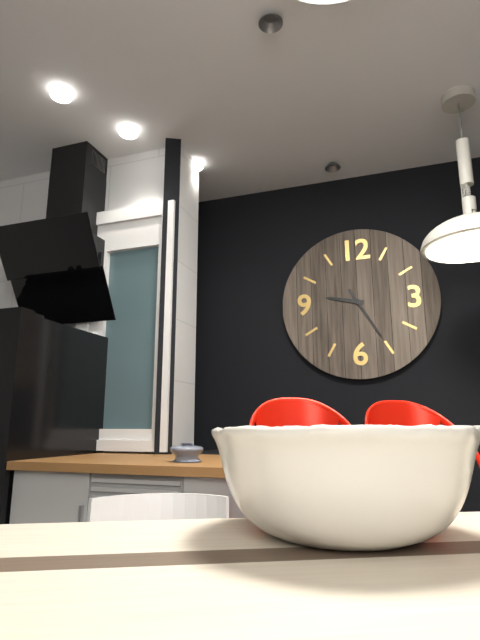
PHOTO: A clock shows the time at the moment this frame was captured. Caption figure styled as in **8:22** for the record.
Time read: **9:25**
